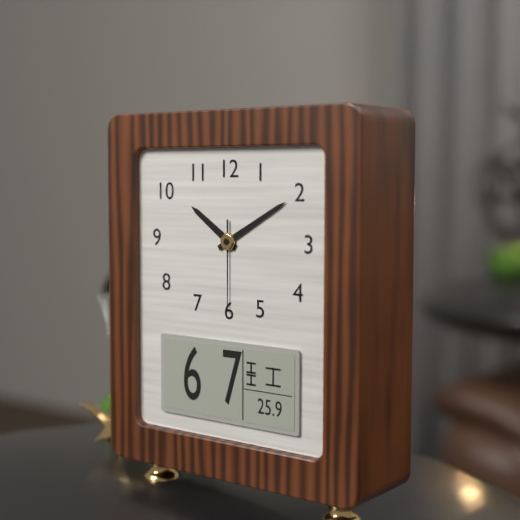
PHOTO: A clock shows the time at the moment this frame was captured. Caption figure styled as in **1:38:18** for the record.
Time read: **10:10:30**
